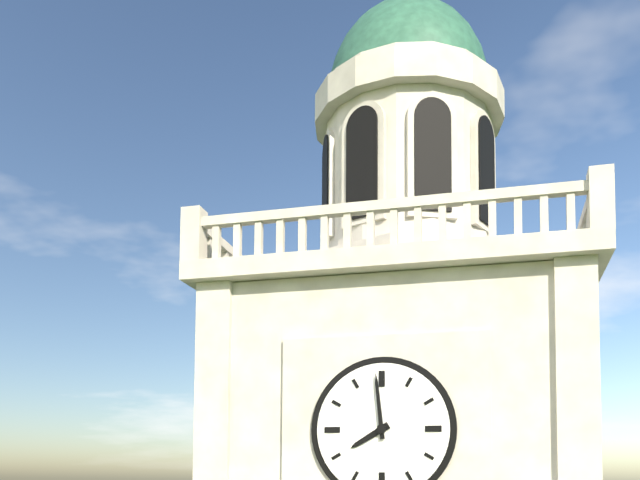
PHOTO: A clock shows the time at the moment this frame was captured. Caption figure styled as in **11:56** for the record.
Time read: **7:59**
